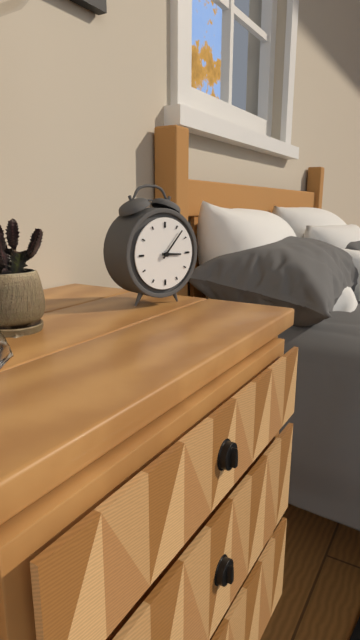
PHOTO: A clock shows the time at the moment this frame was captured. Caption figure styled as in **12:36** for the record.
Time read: **3:07**
